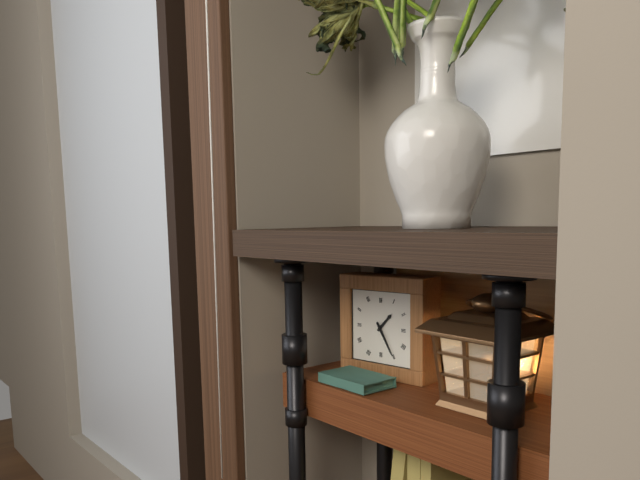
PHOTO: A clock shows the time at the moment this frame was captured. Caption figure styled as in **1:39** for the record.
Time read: **1:25**
